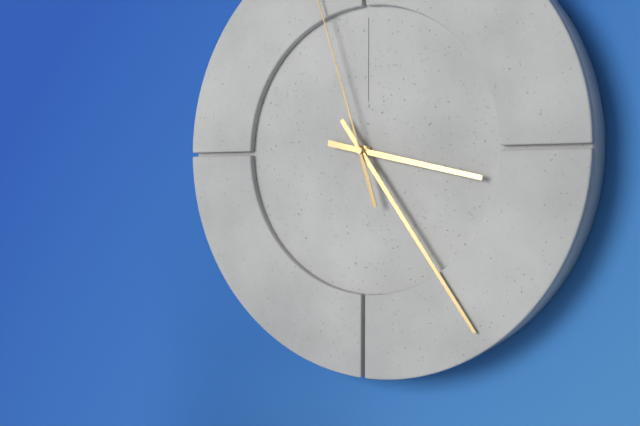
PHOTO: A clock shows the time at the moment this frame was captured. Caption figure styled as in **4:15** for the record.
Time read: **3:24**
